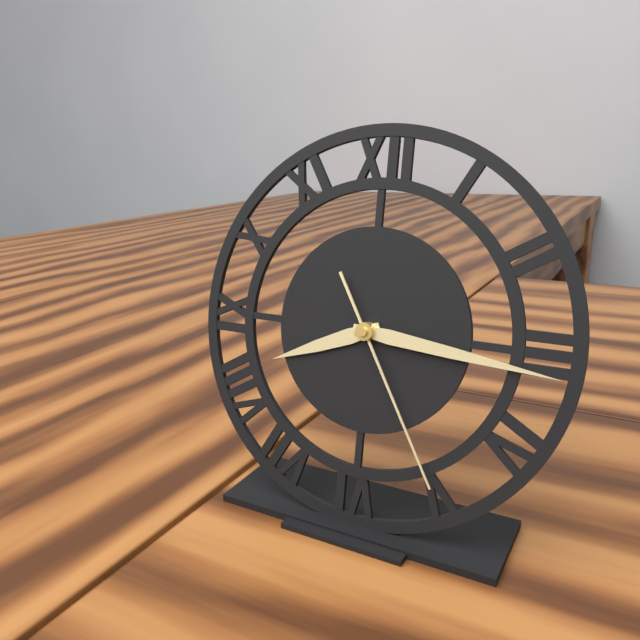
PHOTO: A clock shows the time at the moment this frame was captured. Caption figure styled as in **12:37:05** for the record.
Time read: **8:16:25**
